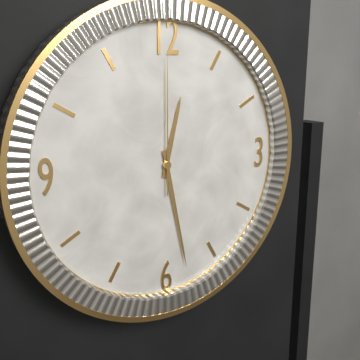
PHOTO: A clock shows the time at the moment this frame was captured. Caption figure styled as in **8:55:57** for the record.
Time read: **12:28:00**
